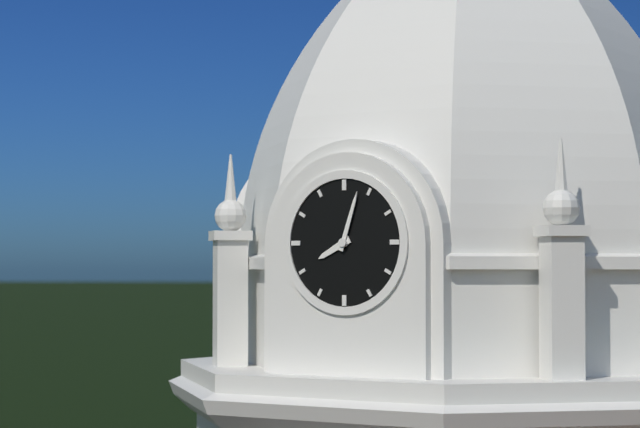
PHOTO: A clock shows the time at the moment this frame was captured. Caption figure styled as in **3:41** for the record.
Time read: **8:03**
